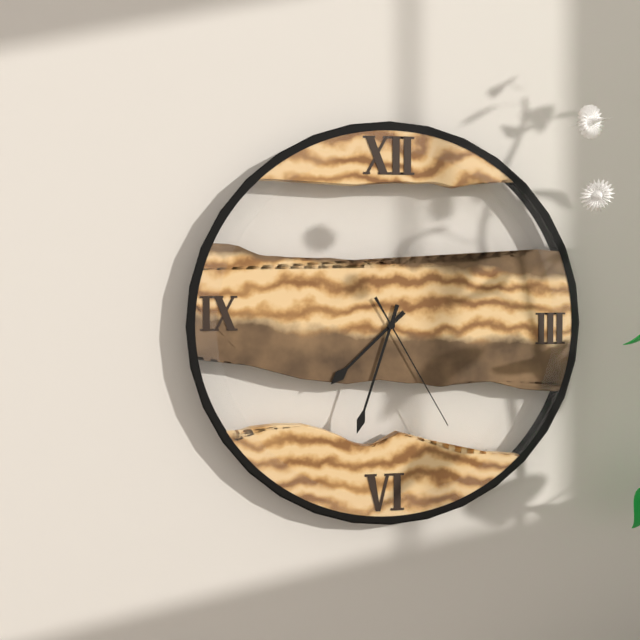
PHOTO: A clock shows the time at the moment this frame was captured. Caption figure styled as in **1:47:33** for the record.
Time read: **7:33:25**
